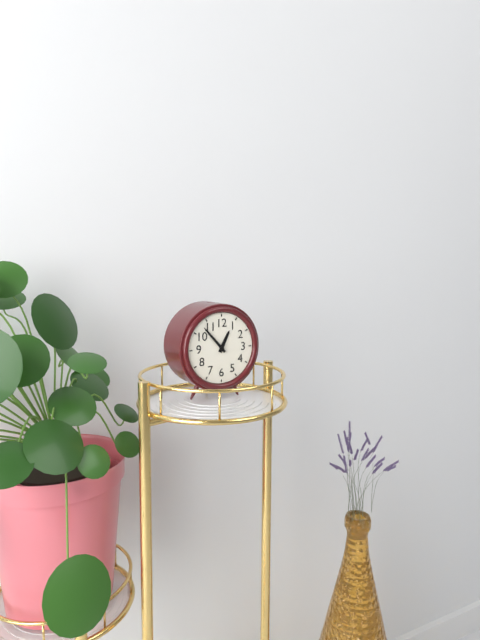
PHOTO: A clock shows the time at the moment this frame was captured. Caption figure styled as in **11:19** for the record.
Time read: **12:53**
